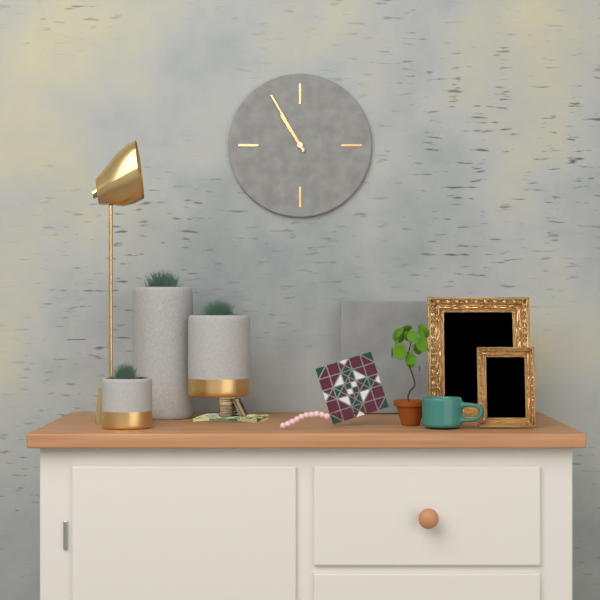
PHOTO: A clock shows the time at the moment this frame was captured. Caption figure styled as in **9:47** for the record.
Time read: **10:55**
